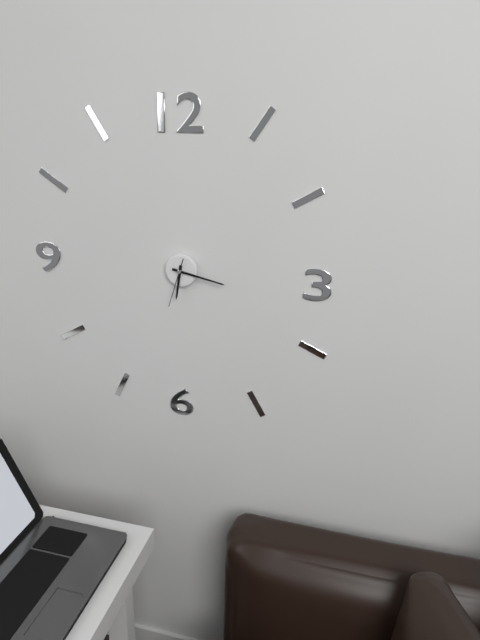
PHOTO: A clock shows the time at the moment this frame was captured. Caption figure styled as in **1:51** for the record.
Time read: **6:17**
